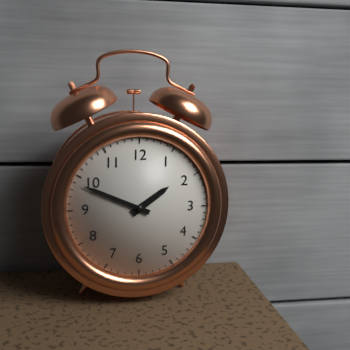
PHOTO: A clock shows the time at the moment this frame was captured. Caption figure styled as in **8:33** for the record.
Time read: **1:49**
